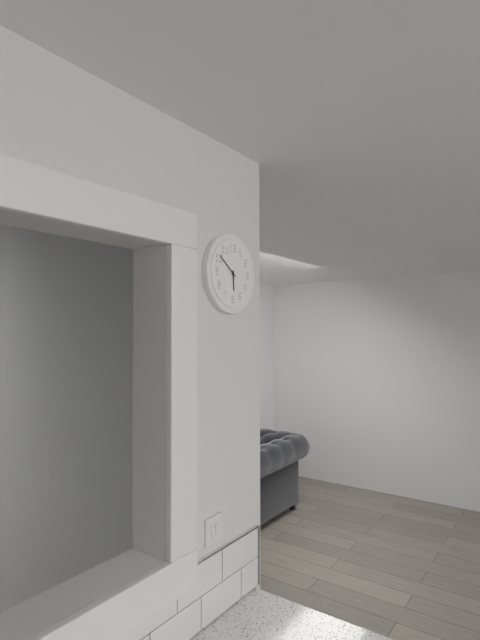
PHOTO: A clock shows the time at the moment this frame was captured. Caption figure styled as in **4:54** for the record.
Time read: **5:51**
